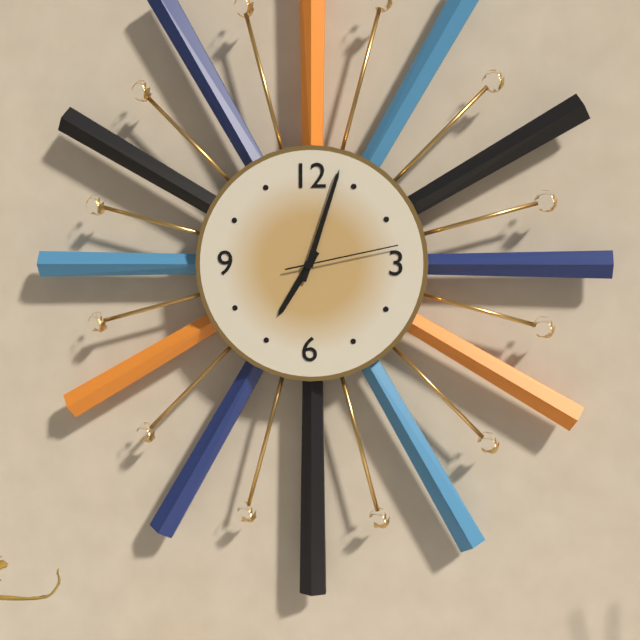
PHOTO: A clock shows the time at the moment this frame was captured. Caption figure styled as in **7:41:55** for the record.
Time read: **7:03:13**
